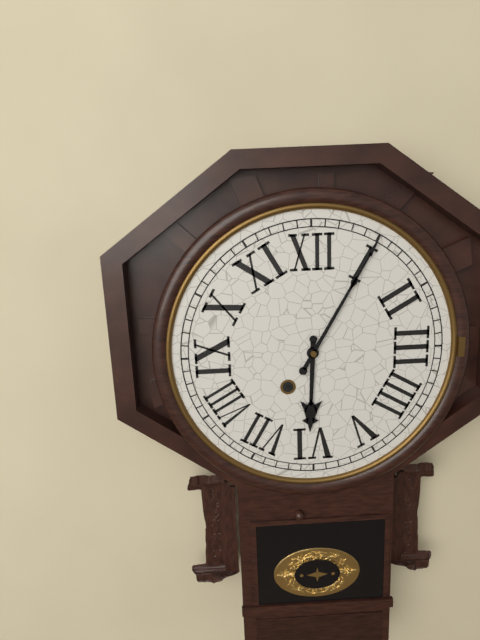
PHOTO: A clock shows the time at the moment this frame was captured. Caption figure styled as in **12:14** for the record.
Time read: **6:05**
